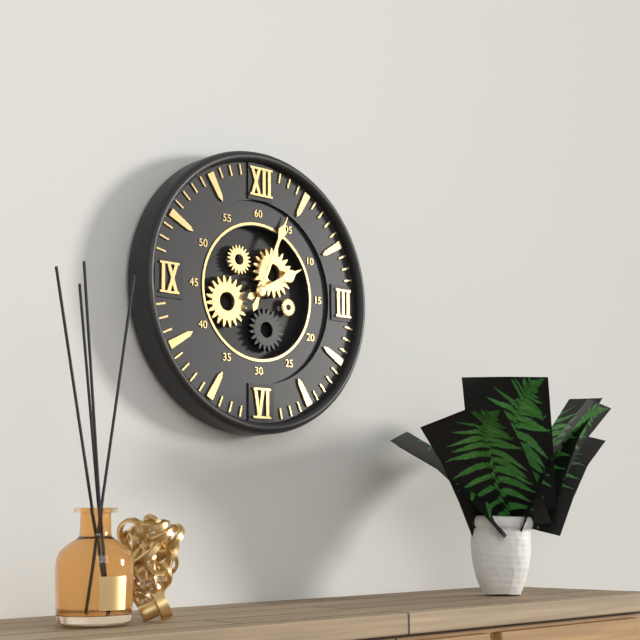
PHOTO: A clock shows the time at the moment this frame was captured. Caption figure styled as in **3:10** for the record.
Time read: **2:04**
